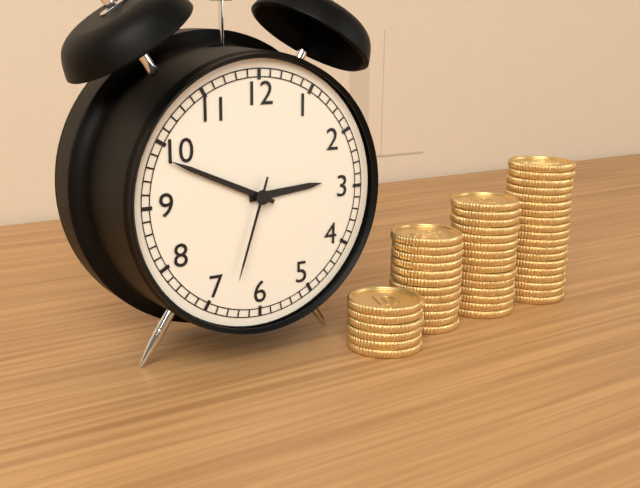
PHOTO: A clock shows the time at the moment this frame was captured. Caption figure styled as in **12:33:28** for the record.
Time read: **2:49:33**
